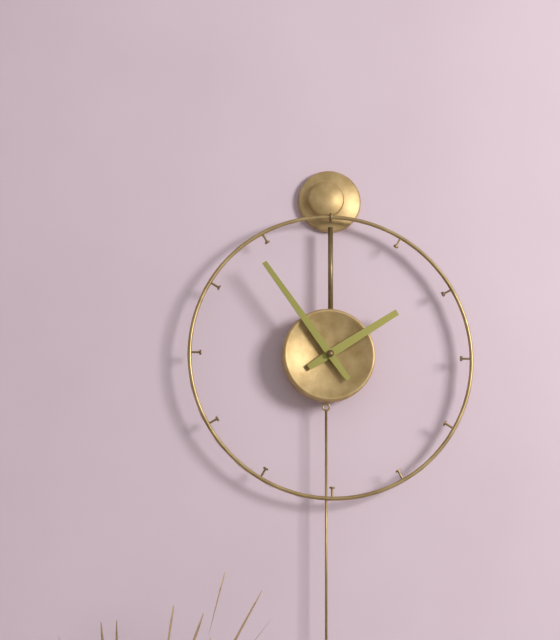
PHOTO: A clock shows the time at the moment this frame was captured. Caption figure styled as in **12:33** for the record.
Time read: **1:54**
